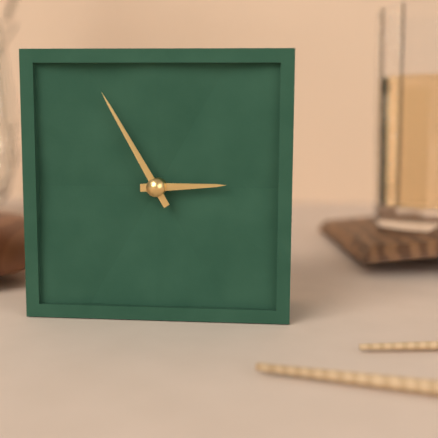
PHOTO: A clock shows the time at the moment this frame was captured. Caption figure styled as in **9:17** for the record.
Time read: **2:55**
